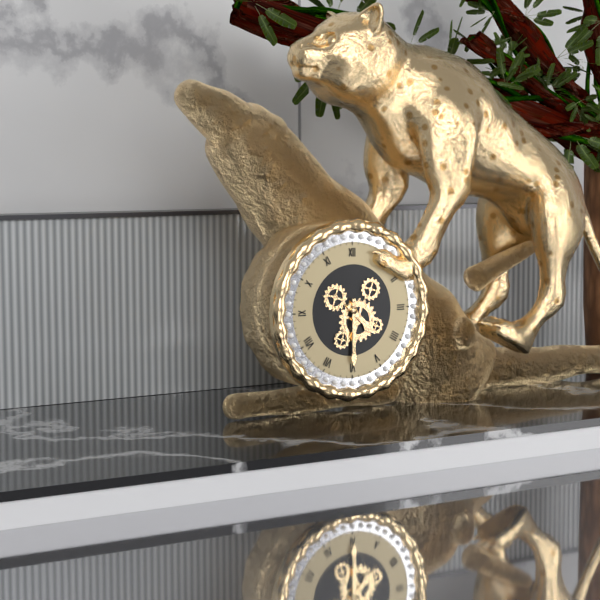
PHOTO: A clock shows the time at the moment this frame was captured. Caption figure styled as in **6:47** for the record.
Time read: **4:30**
